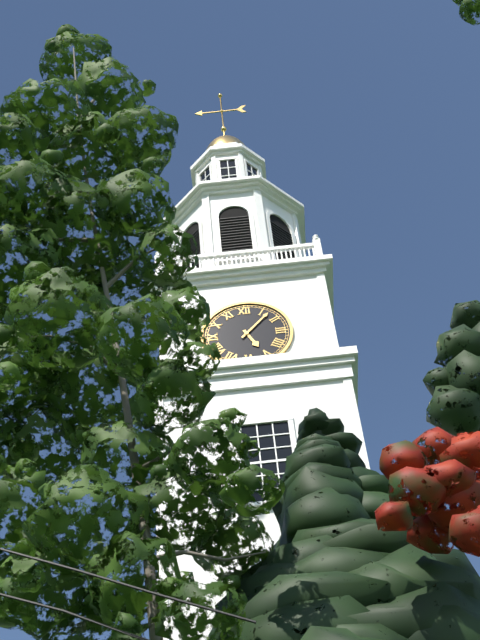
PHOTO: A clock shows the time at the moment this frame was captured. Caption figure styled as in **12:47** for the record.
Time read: **5:07**
